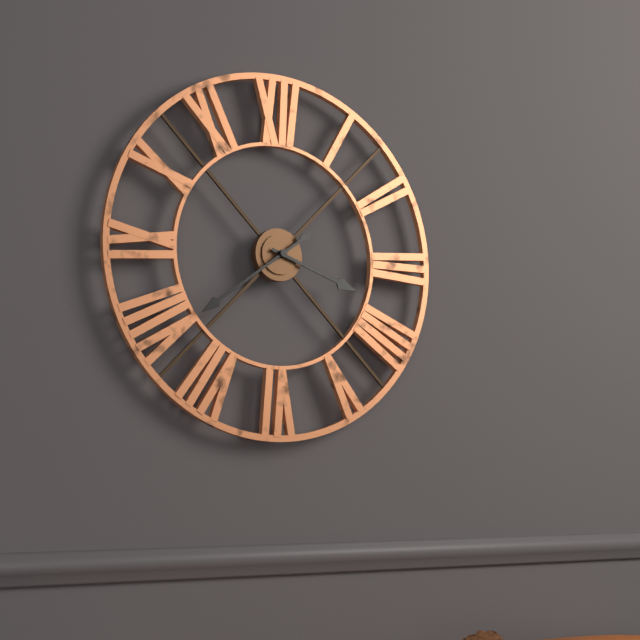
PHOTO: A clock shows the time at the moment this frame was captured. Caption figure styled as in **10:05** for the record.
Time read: **3:39**
